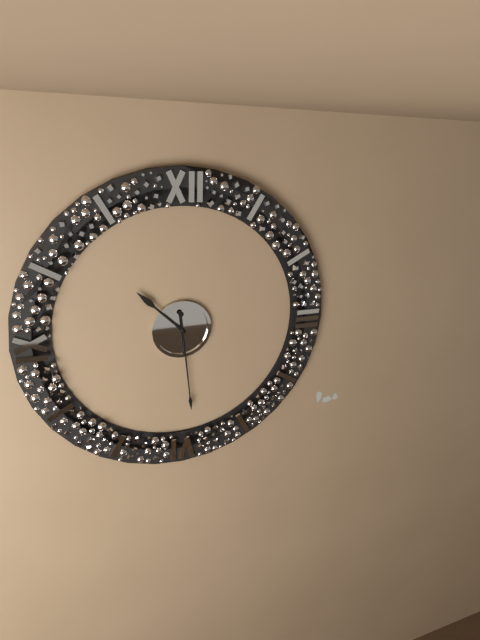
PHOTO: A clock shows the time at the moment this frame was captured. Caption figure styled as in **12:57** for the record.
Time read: **10:29**
